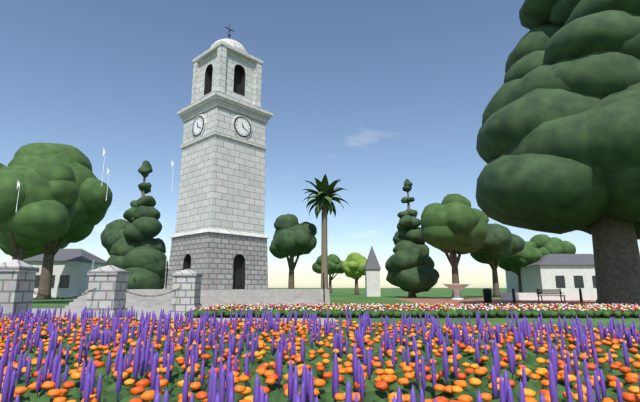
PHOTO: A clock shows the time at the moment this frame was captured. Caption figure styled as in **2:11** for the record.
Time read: **11:20**
